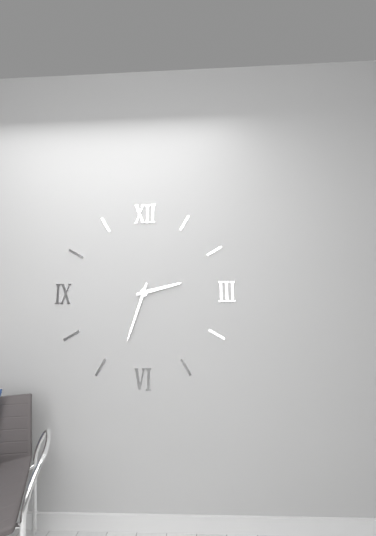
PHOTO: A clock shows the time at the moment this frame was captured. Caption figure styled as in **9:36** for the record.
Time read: **2:33**
